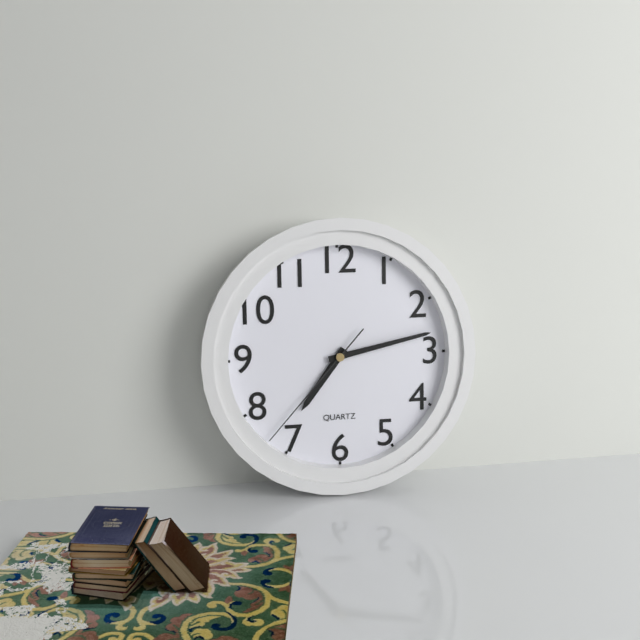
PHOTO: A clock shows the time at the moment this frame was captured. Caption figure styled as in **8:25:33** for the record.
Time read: **7:13:37**
